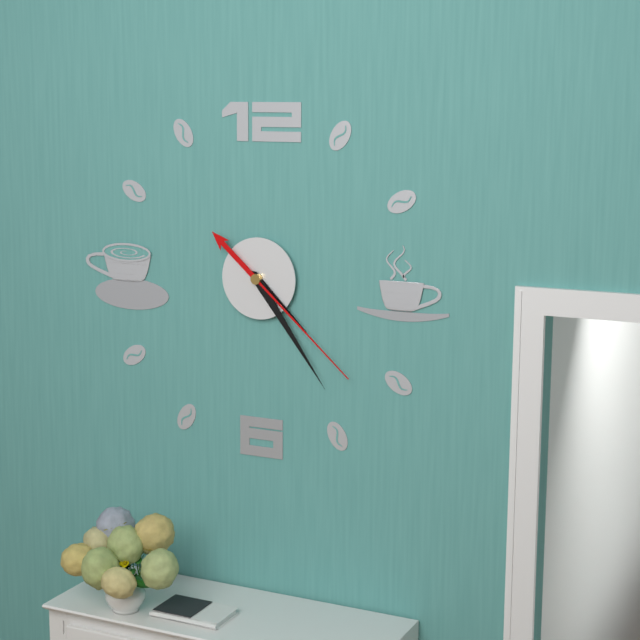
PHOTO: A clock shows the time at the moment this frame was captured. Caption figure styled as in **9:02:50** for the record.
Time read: **4:24:22**
